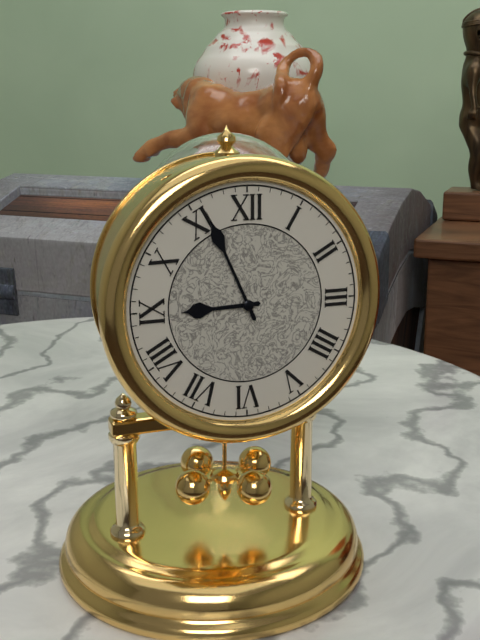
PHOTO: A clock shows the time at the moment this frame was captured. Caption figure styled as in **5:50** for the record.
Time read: **8:56**
